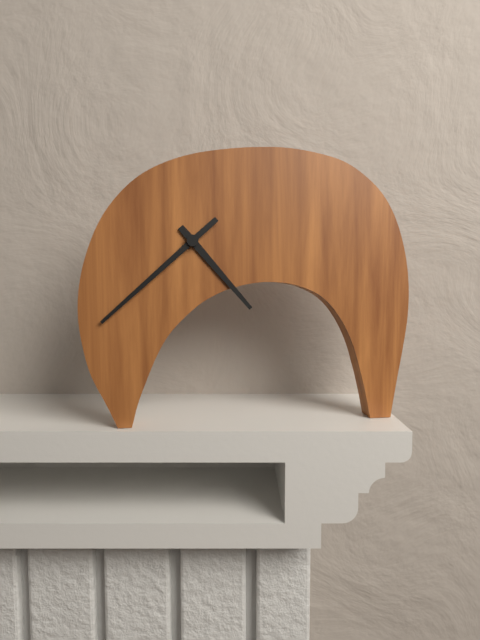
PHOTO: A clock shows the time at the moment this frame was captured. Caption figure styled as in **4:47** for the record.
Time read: **4:38**
